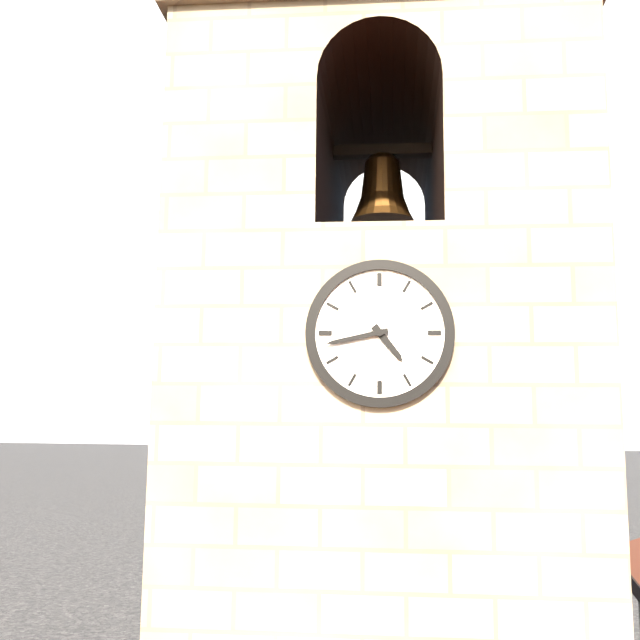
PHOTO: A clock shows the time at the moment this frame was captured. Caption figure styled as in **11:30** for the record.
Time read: **4:43**
